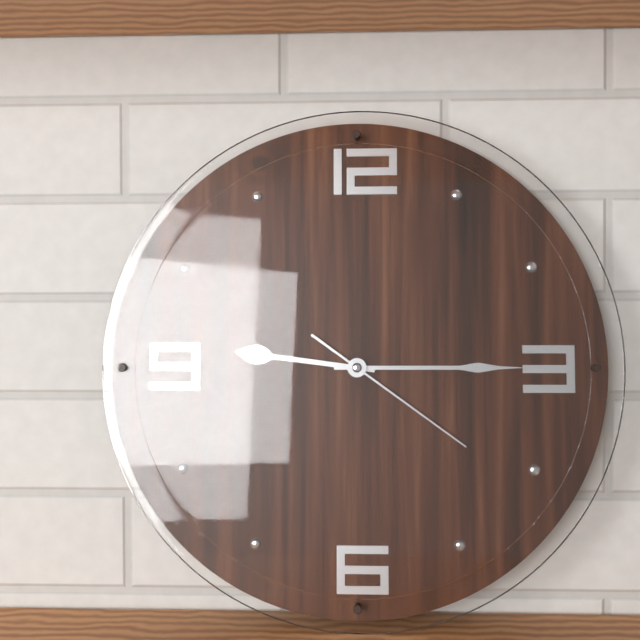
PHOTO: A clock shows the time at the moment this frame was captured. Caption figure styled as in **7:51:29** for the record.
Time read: **9:15:21**
